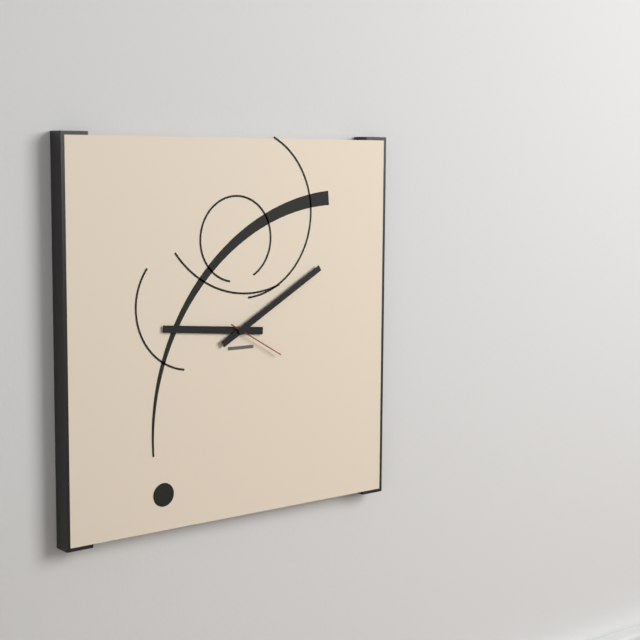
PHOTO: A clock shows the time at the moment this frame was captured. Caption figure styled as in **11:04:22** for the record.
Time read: **9:10:20**
